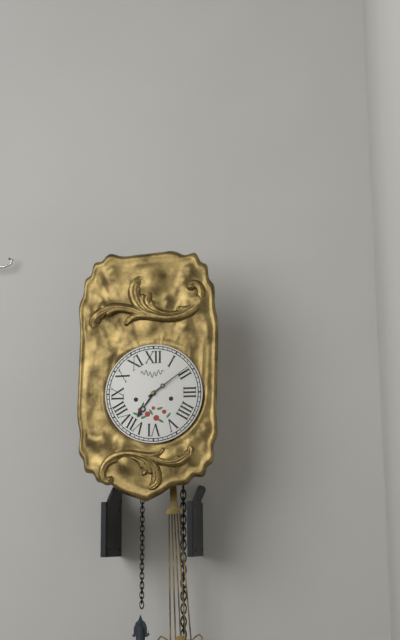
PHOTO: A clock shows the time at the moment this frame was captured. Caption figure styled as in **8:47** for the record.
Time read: **7:09**
